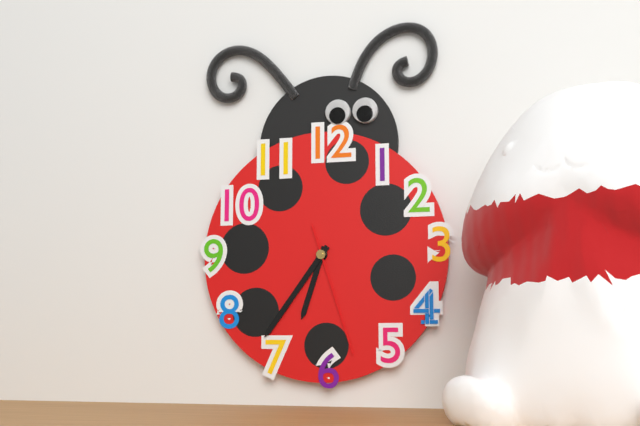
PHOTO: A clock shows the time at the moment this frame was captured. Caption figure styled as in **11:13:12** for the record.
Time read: **6:36:27**
